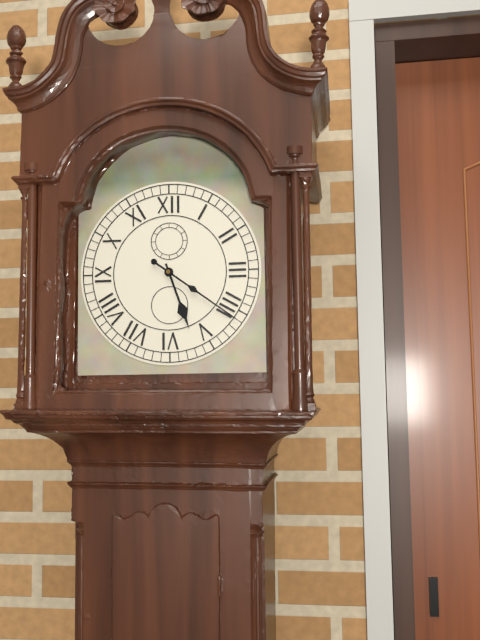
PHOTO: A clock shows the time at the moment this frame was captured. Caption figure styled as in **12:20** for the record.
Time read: **5:21**
